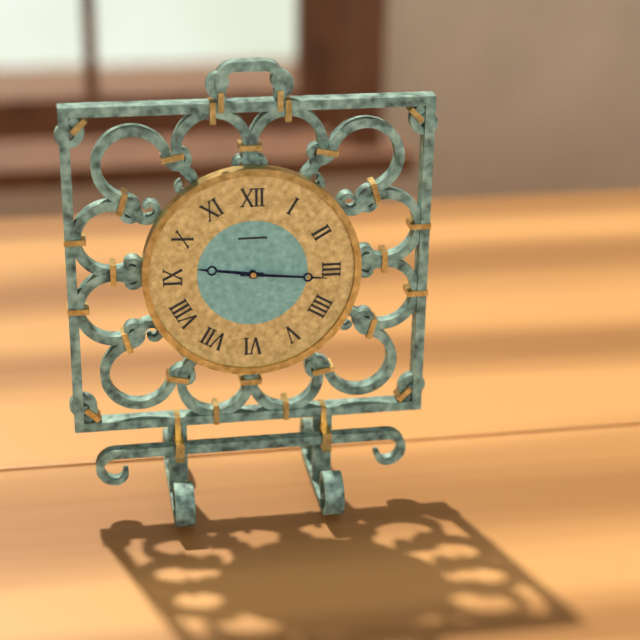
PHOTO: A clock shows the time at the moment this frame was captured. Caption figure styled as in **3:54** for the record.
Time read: **9:16**
